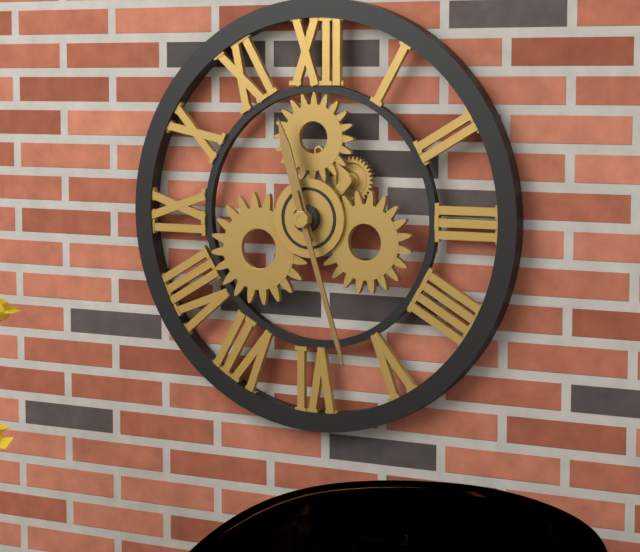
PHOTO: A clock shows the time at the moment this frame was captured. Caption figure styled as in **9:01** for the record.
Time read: **11:27**
